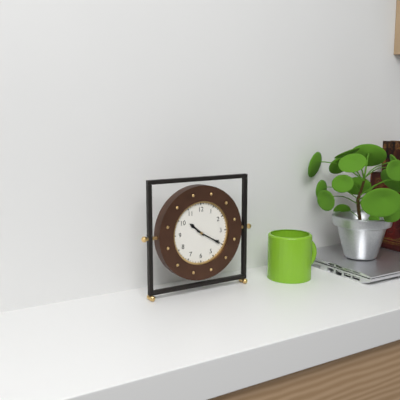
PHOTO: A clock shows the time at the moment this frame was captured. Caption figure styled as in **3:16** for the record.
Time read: **10:20**
